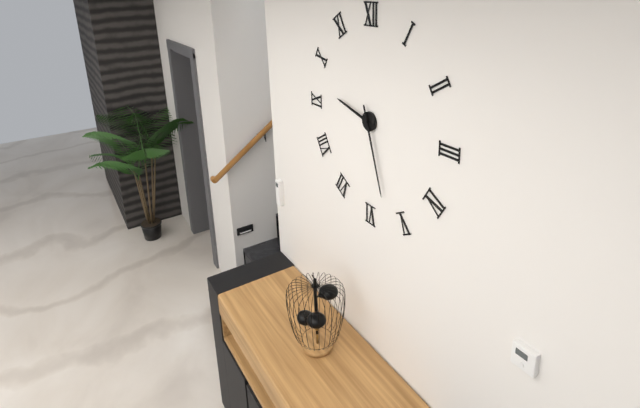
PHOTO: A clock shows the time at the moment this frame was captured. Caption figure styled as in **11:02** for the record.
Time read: **9:27**
